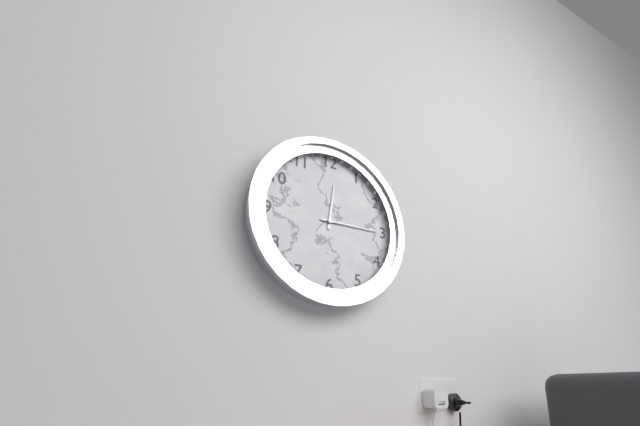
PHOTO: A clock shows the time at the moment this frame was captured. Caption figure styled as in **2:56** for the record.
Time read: **12:15**
